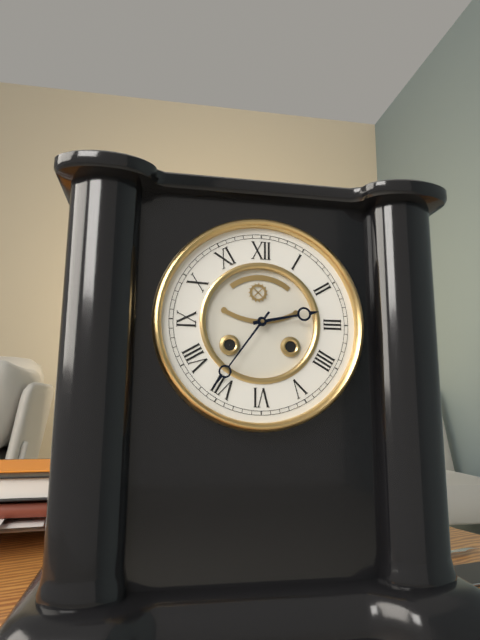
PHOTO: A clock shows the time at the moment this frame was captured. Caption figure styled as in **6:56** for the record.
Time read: **2:36**
